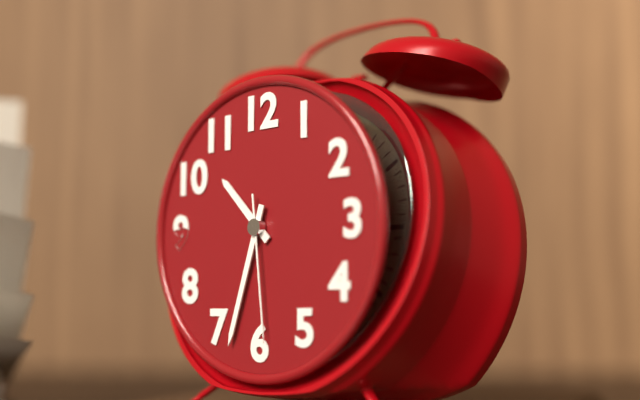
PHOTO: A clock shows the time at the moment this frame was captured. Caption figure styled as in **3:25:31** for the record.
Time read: **10:33:29**
